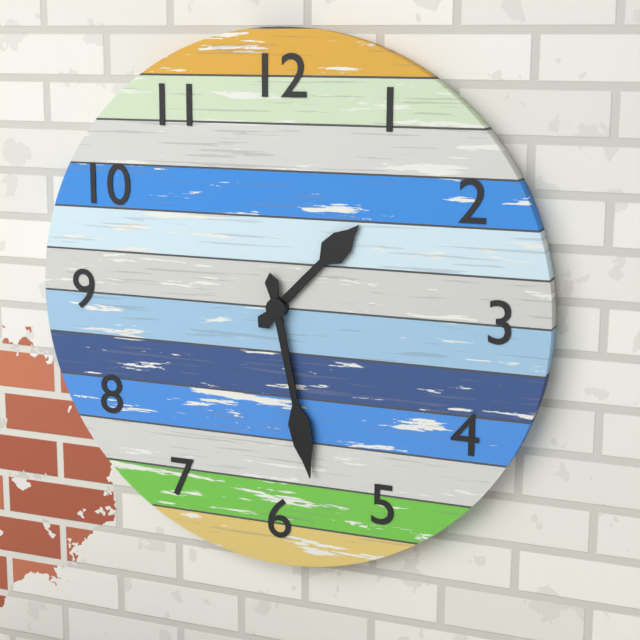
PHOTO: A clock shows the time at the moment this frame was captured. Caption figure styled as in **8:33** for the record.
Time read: **1:28**
